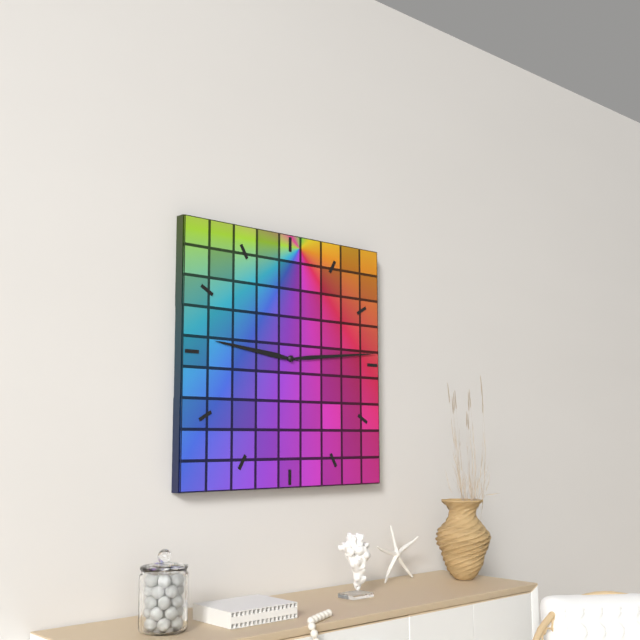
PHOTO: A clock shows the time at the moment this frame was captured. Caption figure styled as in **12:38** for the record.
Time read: **9:14**
